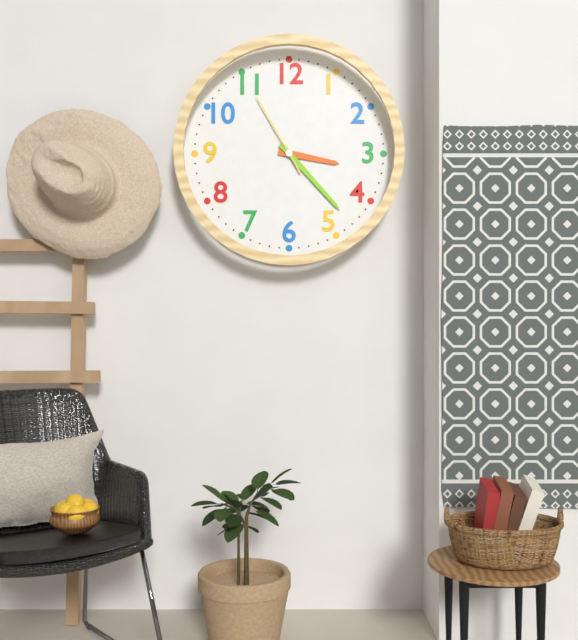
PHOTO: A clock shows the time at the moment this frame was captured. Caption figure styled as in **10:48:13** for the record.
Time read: **3:23:55**
